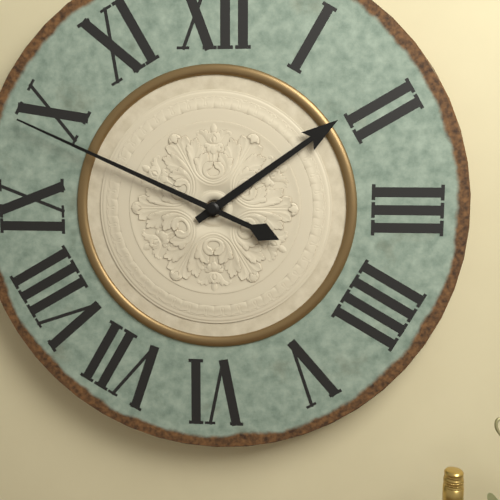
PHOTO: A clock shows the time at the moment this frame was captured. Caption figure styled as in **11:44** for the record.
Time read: **1:49**
